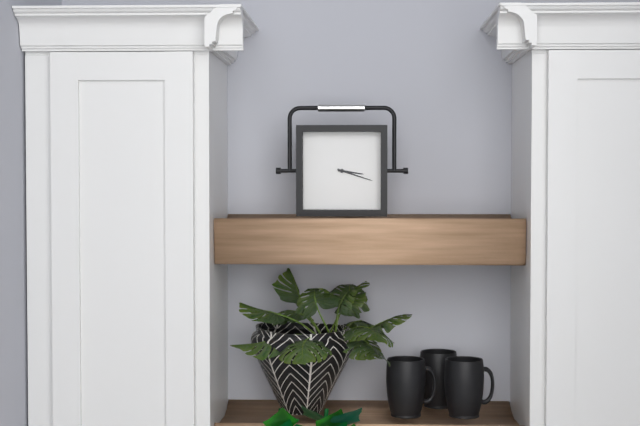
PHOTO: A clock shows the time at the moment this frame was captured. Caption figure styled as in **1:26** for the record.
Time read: **3:18**
